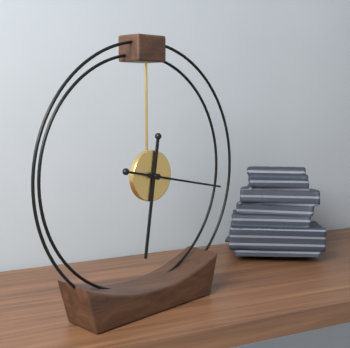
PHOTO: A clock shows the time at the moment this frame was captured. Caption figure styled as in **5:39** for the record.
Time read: **6:17**
